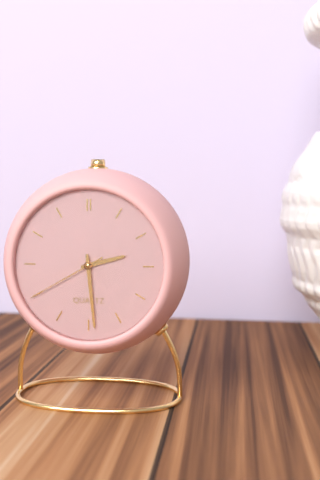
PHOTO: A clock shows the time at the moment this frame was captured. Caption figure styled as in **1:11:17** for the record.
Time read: **2:29:40**
